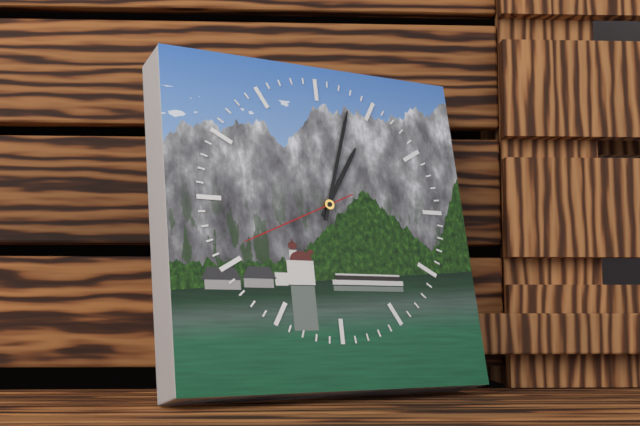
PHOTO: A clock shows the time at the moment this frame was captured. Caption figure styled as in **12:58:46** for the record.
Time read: **1:03:41**
